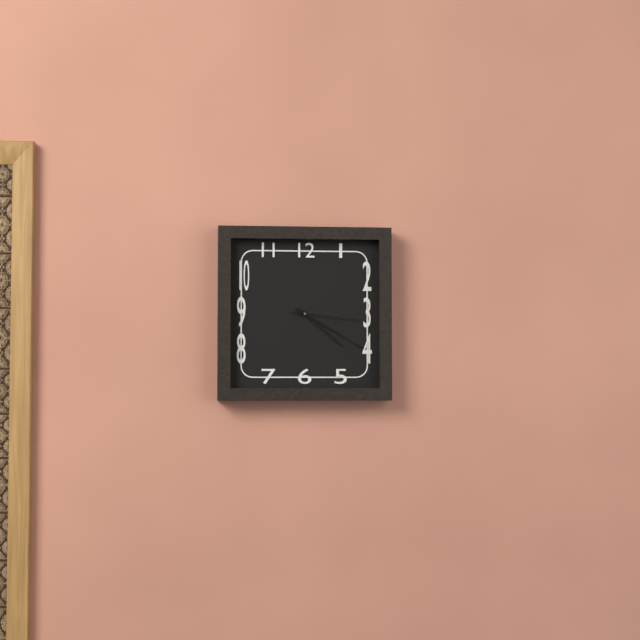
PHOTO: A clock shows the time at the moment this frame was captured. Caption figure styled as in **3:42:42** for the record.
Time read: **4:20:16**
